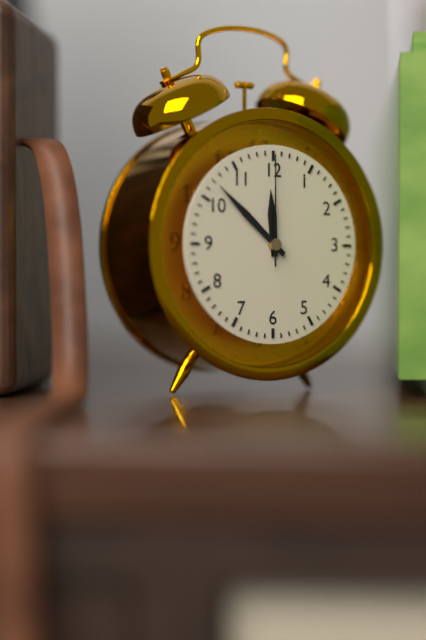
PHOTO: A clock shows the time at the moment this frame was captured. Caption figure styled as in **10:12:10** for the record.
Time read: **11:52:00**
